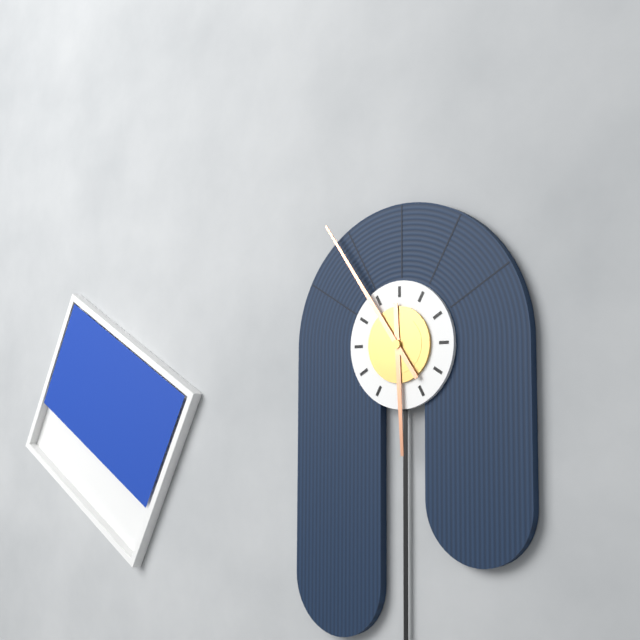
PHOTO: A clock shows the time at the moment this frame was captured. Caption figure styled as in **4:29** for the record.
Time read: **5:54**
